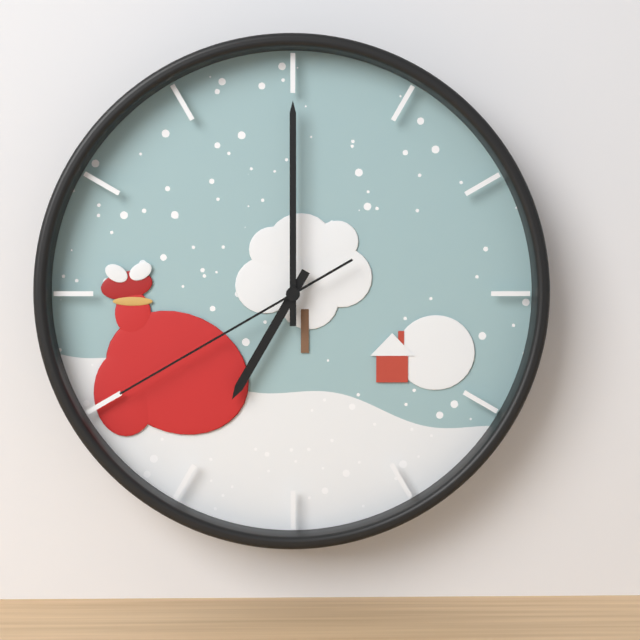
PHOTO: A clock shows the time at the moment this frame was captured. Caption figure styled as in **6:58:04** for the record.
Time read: **7:00:40**
